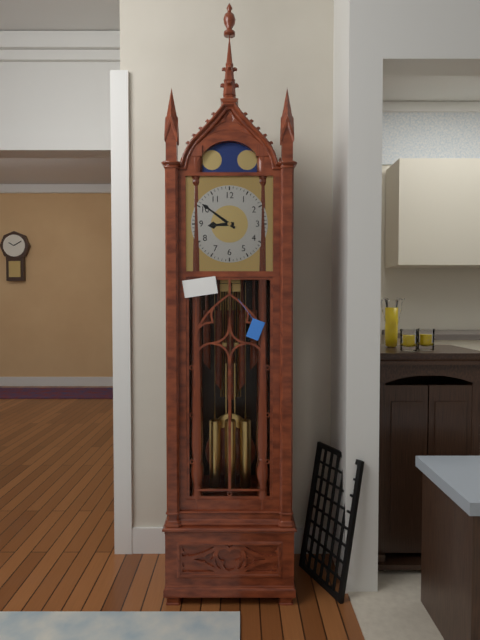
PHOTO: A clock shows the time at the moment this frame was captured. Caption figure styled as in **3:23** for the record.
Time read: **8:51**
